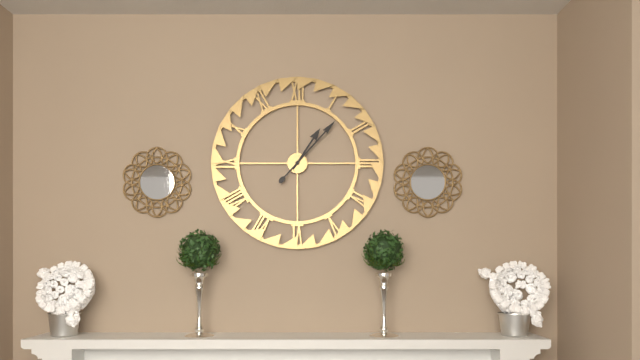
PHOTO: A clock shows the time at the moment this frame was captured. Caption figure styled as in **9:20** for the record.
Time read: **1:07**
